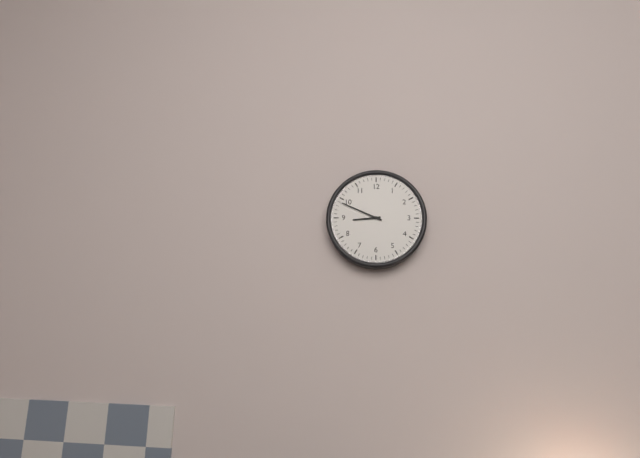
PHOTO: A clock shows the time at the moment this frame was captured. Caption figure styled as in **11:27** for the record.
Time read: **8:49**
